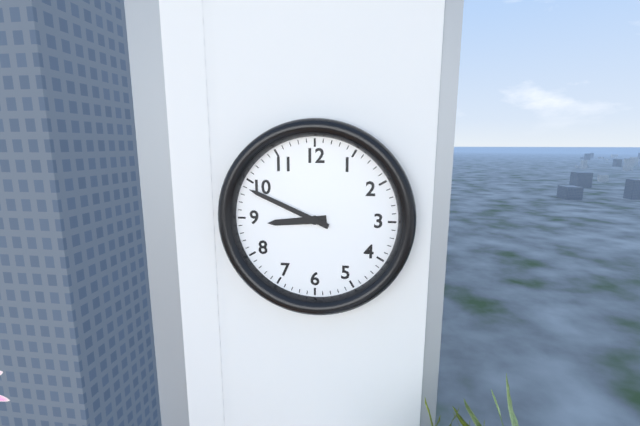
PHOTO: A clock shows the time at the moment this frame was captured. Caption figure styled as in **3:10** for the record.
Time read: **8:49**
